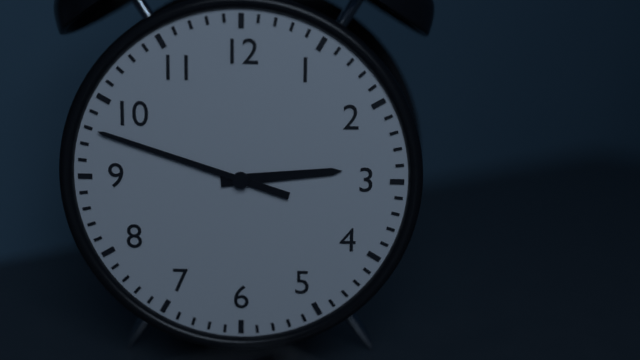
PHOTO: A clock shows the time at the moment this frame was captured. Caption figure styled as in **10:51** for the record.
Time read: **2:48**
